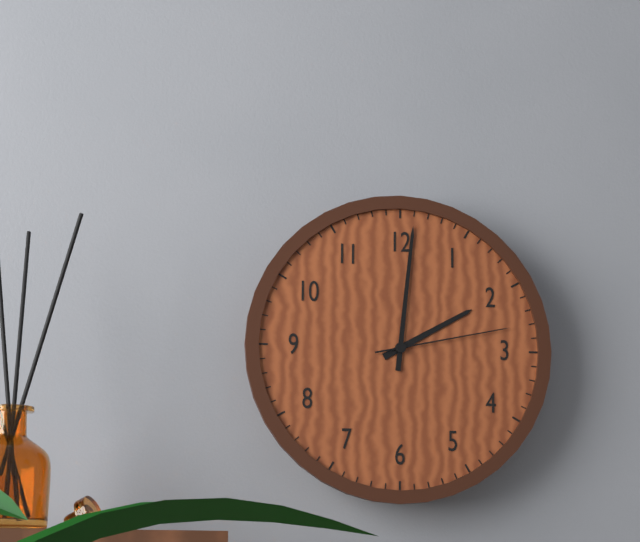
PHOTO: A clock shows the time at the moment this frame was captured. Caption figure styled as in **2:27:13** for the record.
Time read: **2:01:13**
